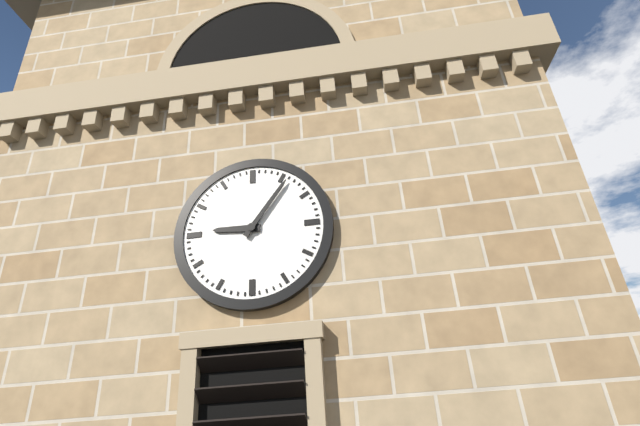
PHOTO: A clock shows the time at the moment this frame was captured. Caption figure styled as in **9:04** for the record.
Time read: **9:06**
